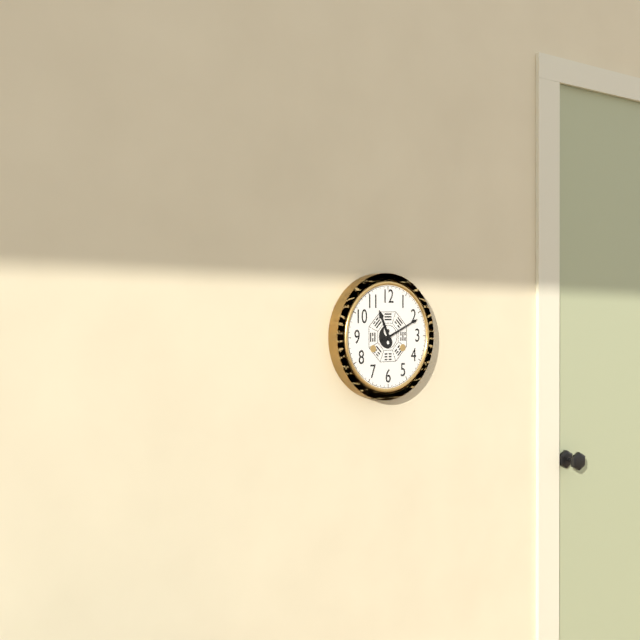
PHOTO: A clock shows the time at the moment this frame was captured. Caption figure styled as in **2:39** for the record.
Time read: **11:11**
